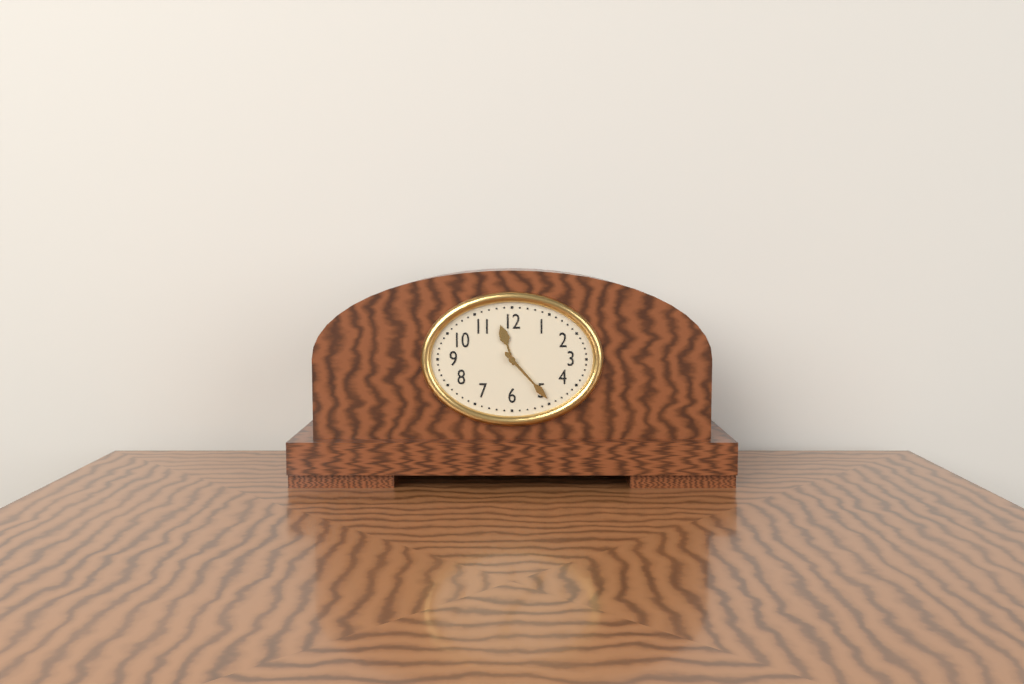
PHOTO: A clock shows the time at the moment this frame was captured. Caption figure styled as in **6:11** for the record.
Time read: **11:23**
